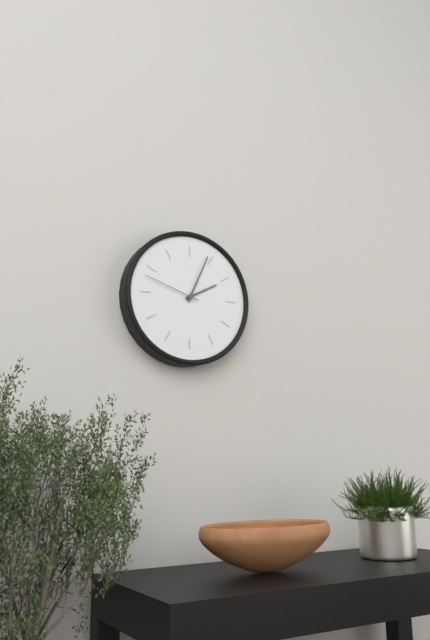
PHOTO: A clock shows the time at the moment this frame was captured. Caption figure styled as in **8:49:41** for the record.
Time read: **2:04:48**
